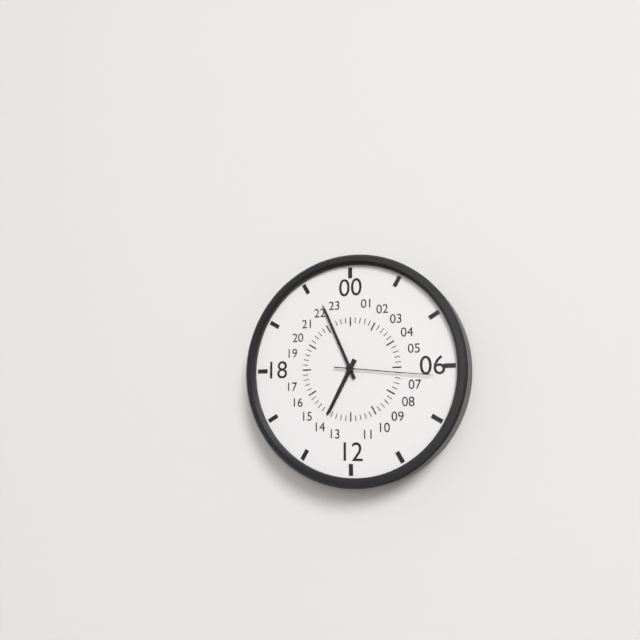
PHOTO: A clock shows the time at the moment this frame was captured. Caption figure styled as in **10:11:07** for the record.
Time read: **6:56:16**
